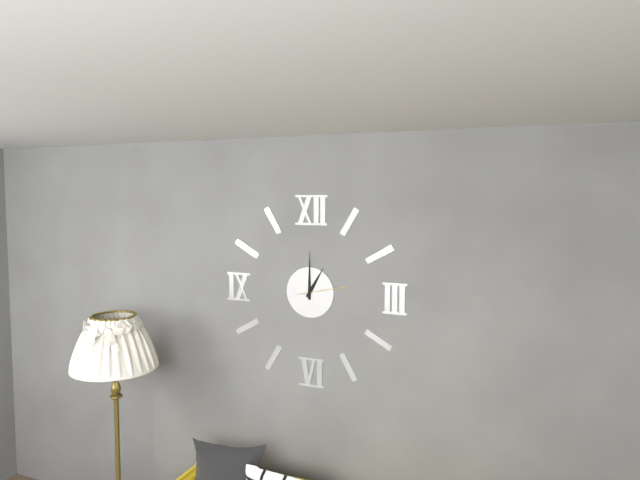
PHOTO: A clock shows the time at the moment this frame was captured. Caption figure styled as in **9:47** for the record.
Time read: **1:00**
